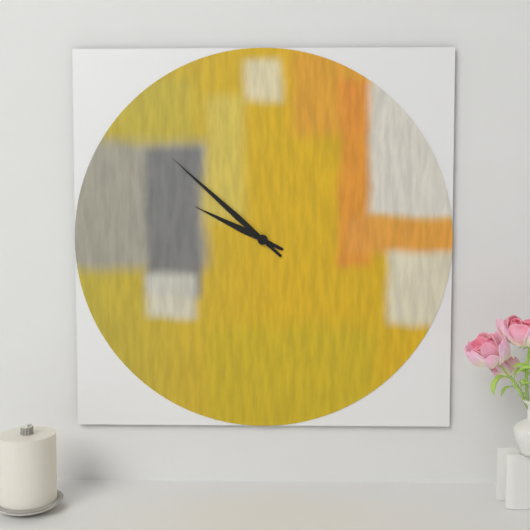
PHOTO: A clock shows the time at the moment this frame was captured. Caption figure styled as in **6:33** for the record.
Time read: **9:52**
